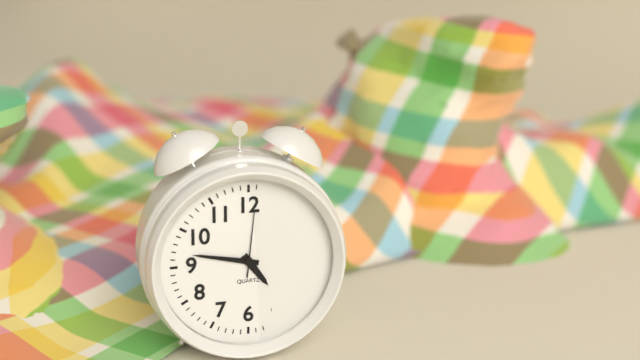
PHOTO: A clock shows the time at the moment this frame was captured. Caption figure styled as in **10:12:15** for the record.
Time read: **4:47:01**
